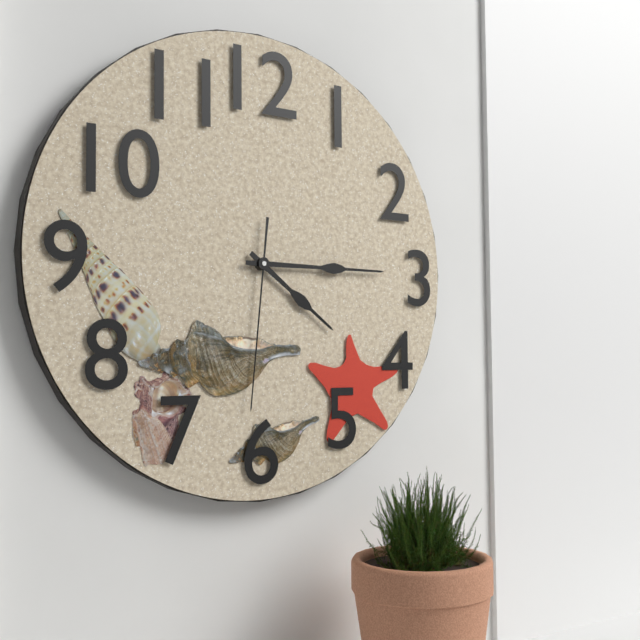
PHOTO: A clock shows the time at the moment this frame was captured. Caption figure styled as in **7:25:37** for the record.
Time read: **4:15:31**
